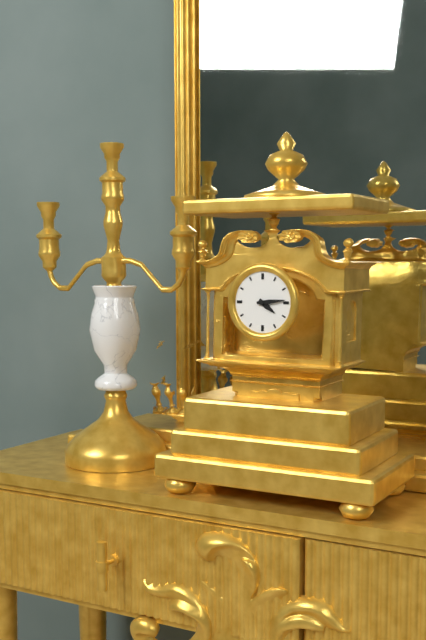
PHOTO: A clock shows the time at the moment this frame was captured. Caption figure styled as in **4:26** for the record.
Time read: **4:14**
